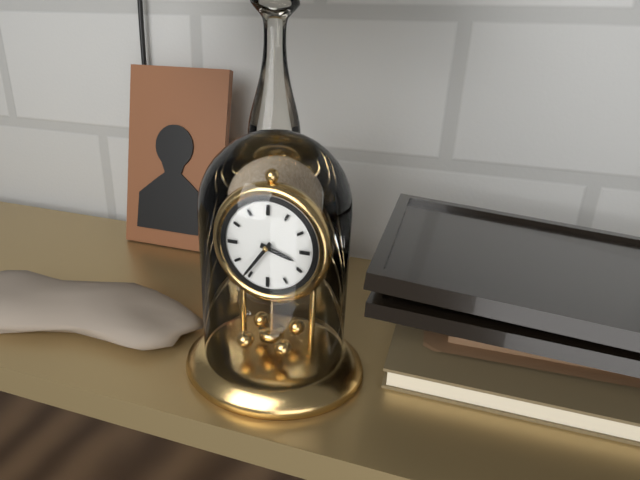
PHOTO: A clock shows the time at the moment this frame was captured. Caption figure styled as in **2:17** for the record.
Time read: **3:36**
